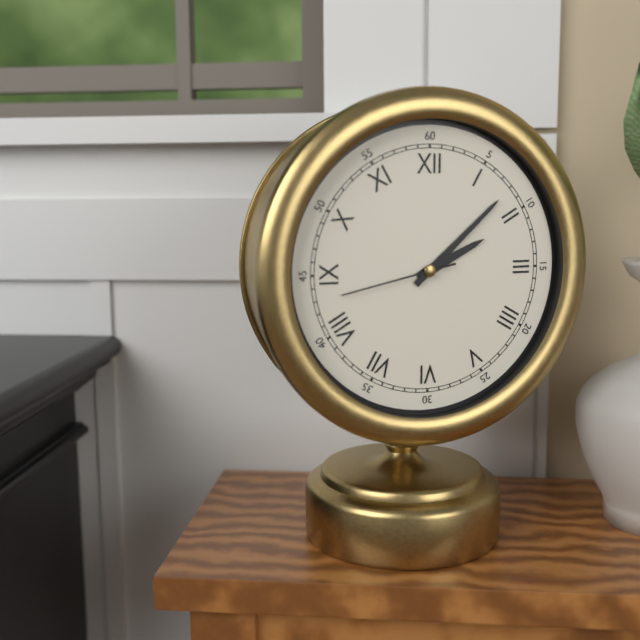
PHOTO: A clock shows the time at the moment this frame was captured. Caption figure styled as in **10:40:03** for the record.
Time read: **2:08:43**
